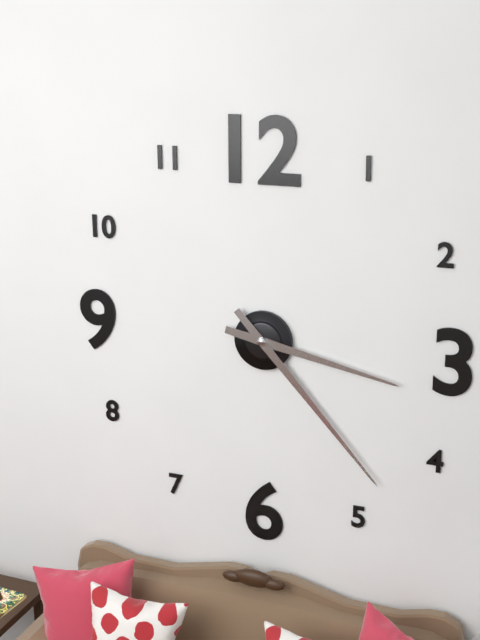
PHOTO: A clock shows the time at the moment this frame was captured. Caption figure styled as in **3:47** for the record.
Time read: **3:23**
